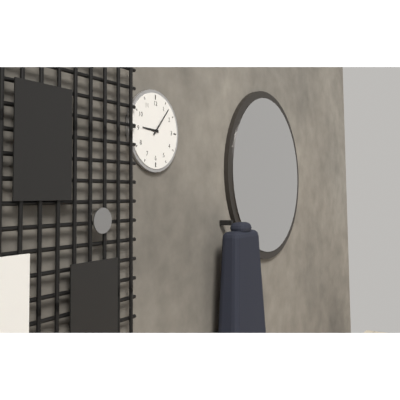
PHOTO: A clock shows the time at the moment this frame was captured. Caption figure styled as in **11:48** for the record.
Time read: **9:07**
